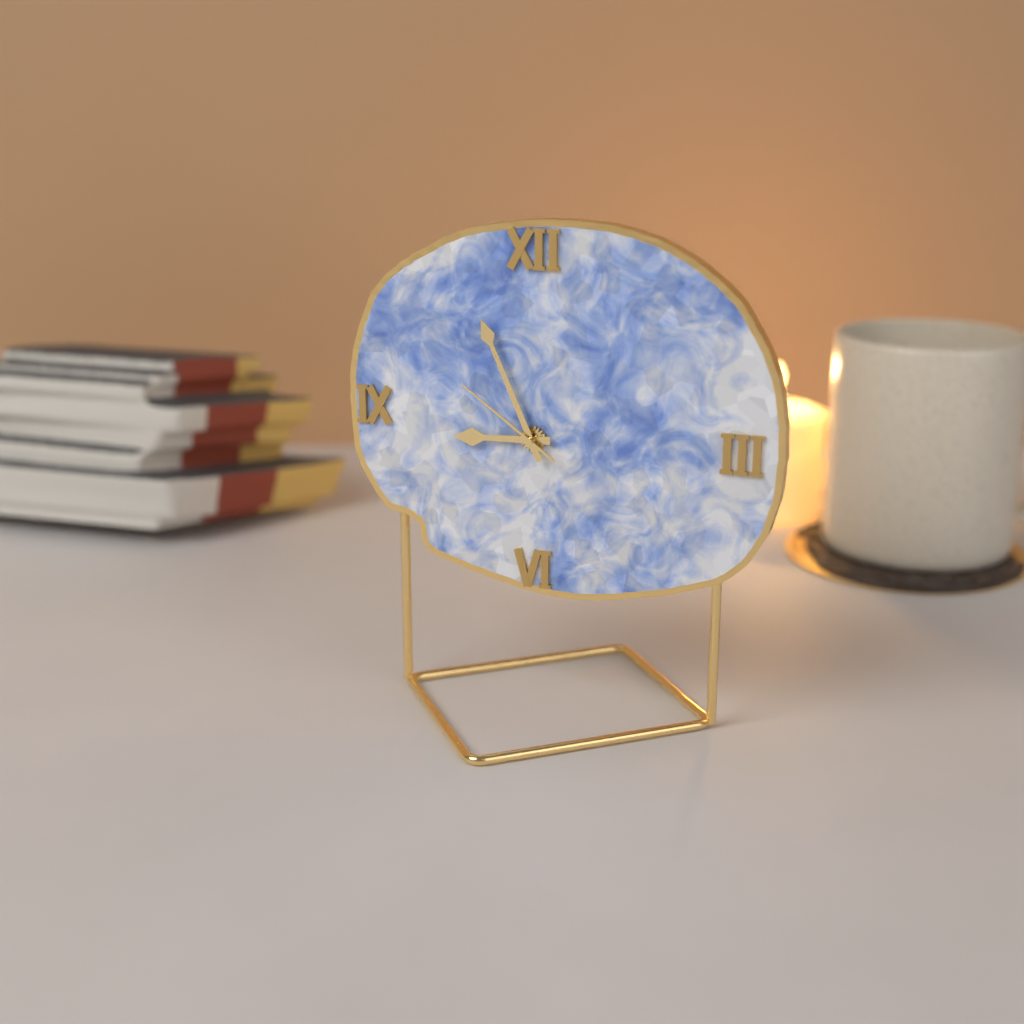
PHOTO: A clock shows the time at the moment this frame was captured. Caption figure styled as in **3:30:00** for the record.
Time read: **8:56:51**
